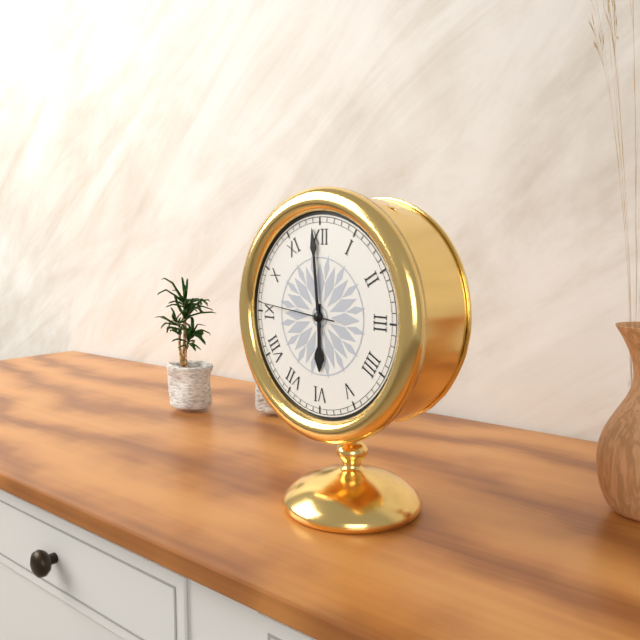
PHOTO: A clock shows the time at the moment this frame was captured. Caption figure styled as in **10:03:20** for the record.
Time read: **5:59:46**
